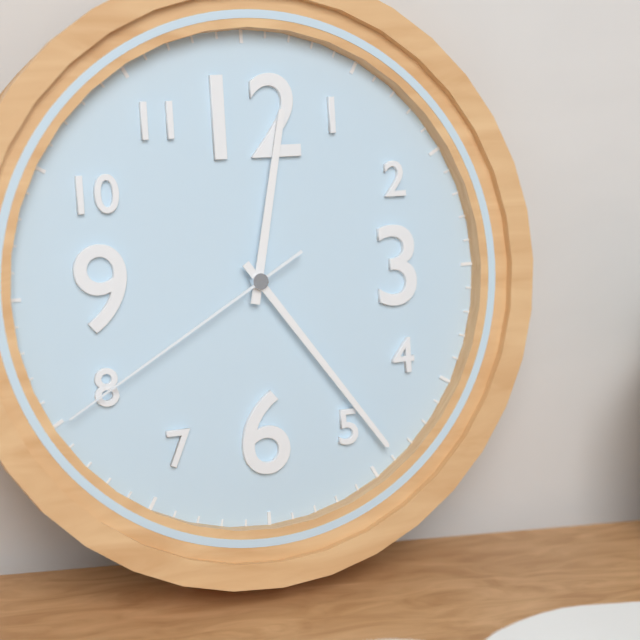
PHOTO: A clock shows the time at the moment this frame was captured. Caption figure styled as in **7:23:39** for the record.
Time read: **12:24:40**
